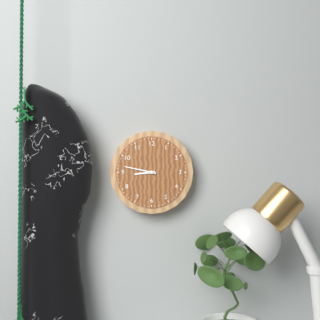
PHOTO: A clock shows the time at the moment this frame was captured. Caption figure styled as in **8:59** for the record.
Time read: **8:47**
